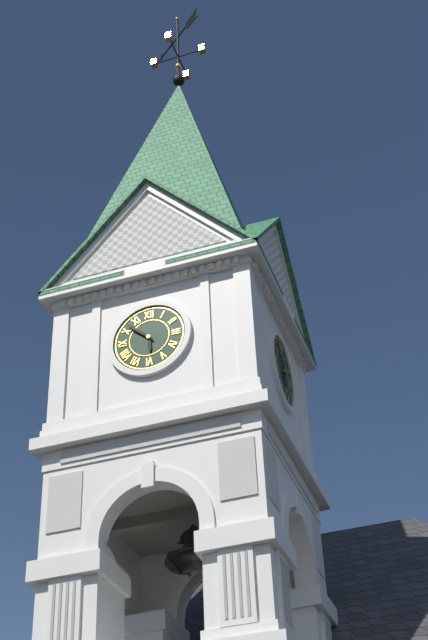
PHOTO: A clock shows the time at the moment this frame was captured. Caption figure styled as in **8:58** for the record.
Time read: **5:52**
